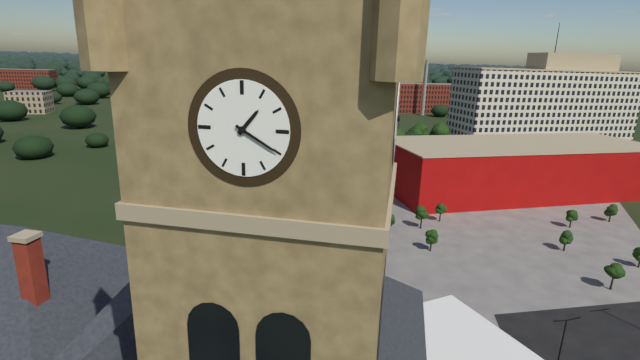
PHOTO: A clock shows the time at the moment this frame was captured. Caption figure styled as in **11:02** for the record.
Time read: **1:20**
